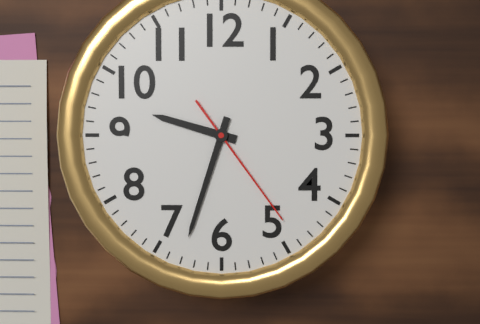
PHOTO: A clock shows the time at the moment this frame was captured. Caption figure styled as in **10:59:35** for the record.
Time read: **9:33:24**
